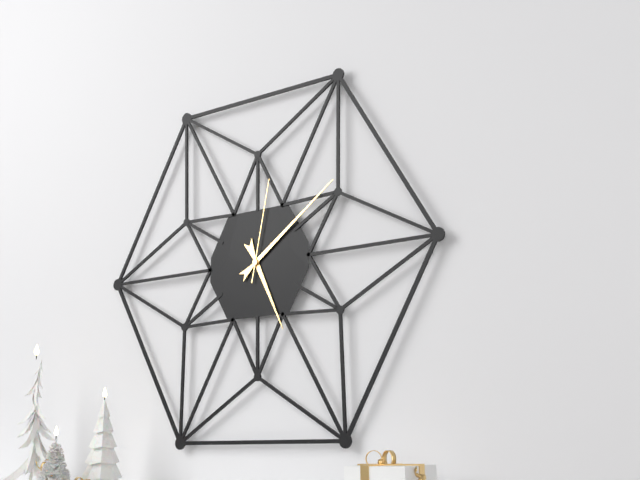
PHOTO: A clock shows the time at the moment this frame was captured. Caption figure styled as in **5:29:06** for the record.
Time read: **5:09:02**
